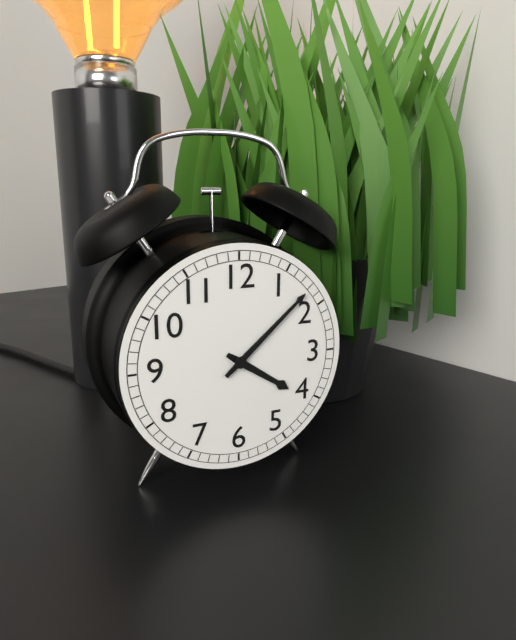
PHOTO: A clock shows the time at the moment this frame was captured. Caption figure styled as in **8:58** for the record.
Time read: **4:08**
